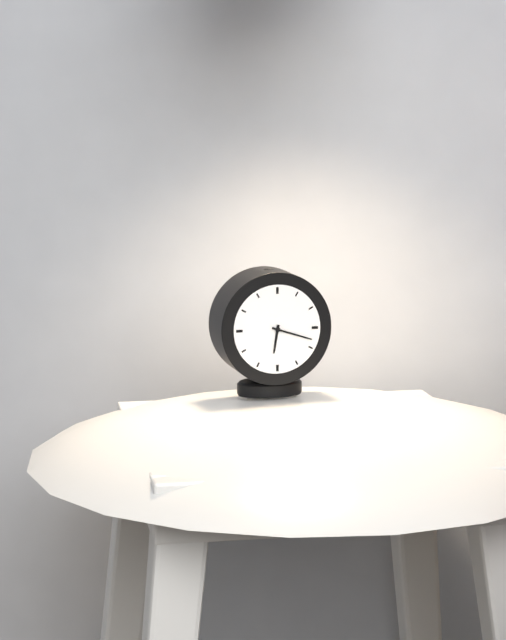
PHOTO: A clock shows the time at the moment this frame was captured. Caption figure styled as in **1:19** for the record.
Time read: **6:18**
